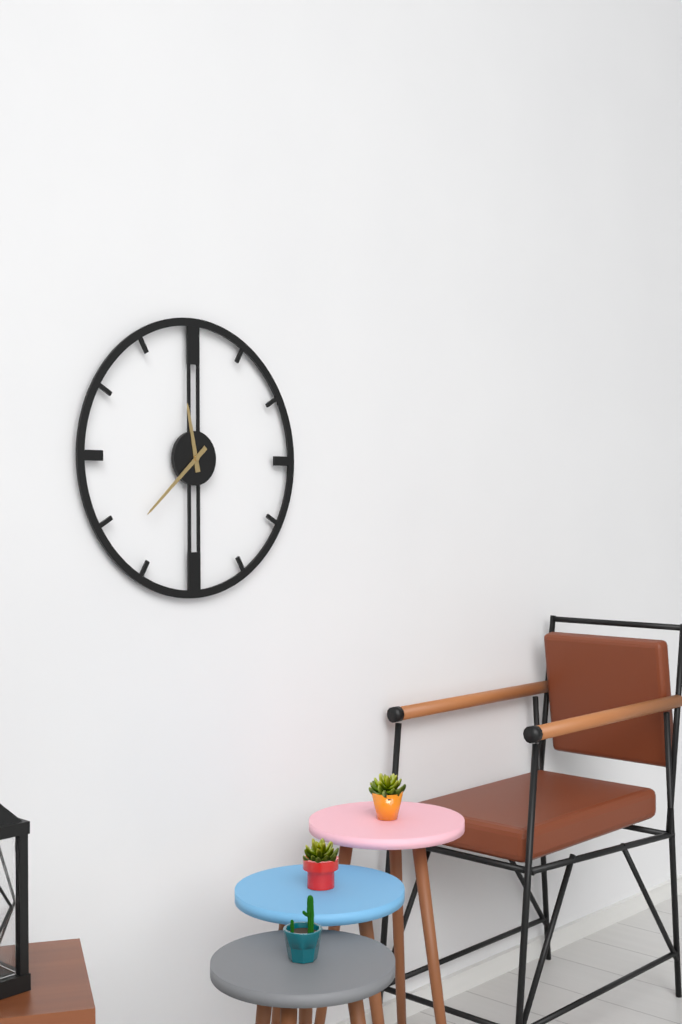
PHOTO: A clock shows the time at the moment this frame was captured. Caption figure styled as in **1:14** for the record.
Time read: **11:38**
